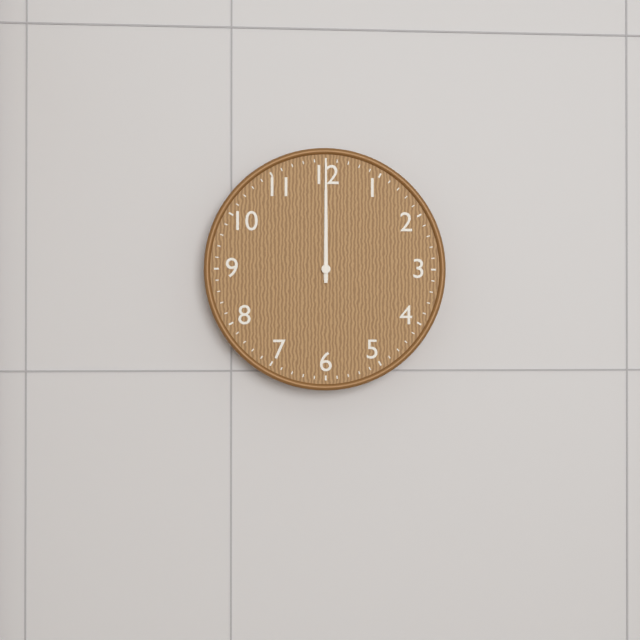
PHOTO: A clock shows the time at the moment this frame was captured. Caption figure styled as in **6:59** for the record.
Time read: **12:00**
